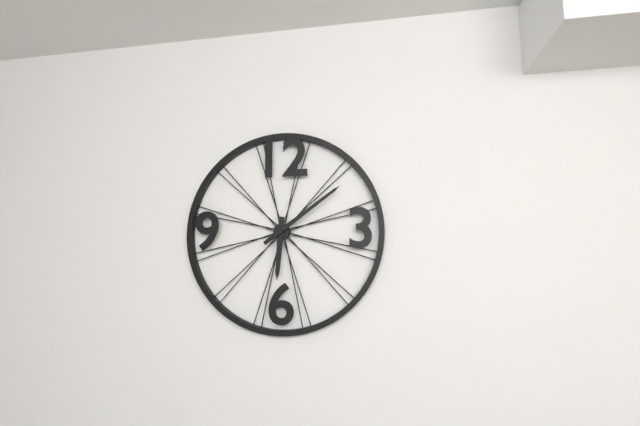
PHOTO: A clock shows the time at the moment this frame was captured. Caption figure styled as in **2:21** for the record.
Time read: **6:09**
